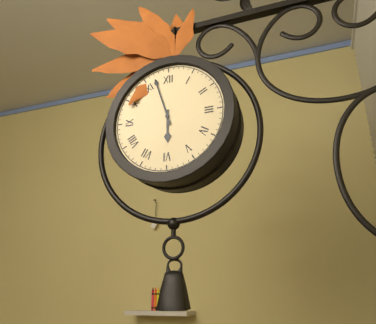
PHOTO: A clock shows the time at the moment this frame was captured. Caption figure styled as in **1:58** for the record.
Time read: **5:57**
